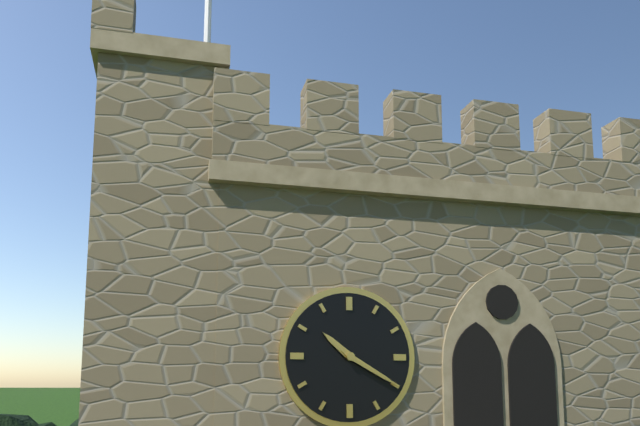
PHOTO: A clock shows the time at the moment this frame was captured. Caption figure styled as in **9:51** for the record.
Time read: **10:20**
